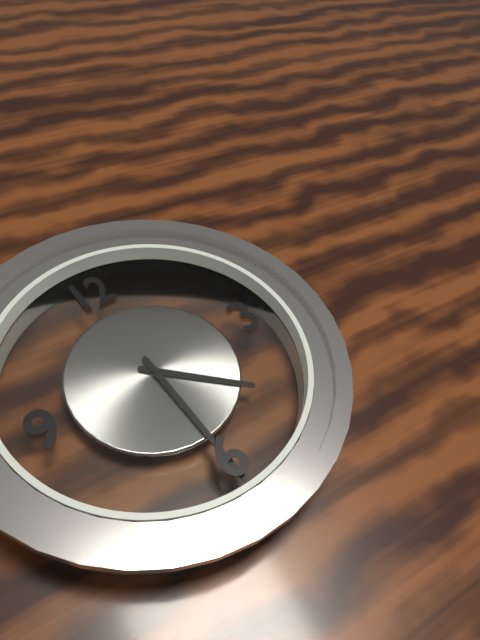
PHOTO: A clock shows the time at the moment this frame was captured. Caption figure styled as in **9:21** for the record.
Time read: **4:30**
